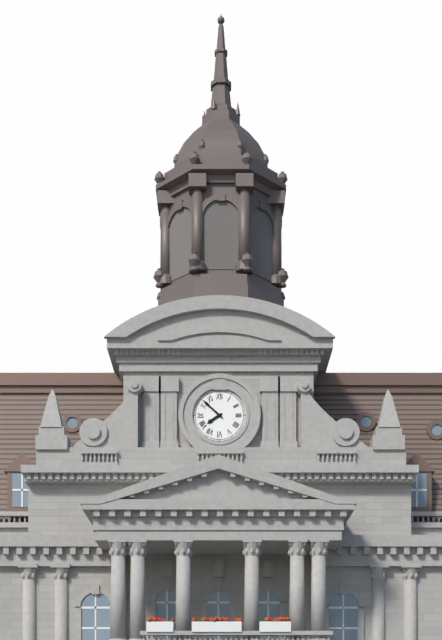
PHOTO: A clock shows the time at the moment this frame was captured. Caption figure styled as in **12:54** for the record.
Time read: **7:52**
